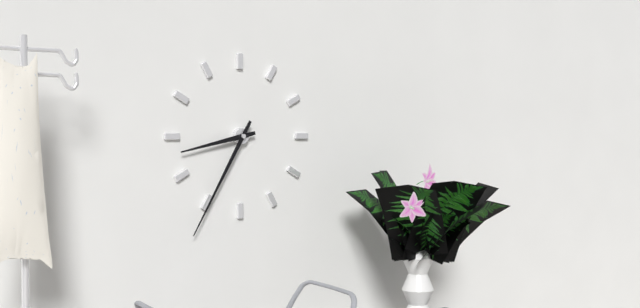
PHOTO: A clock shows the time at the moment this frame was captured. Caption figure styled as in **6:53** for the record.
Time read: **8:35**
